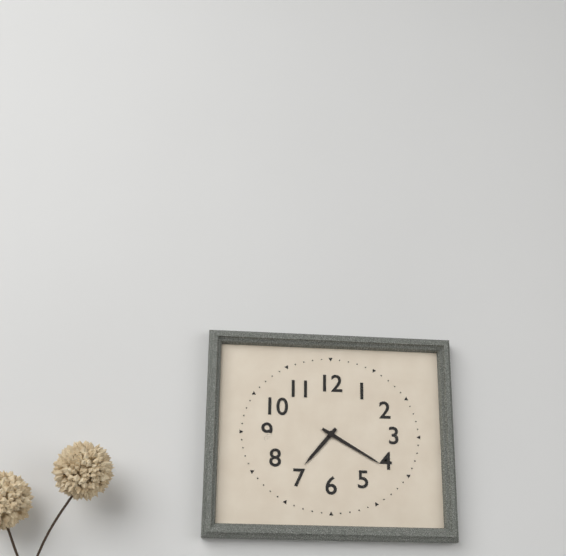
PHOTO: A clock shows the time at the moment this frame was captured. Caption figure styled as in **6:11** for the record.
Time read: **7:20**
